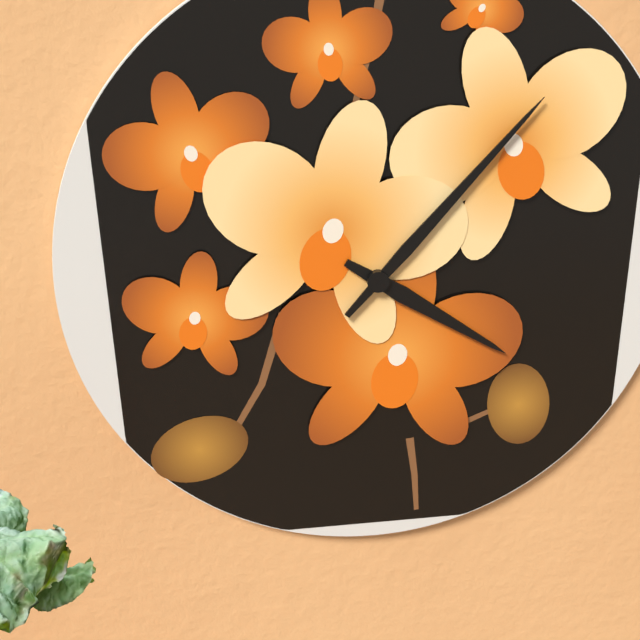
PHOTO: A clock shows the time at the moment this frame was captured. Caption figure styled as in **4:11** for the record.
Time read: **4:07**
